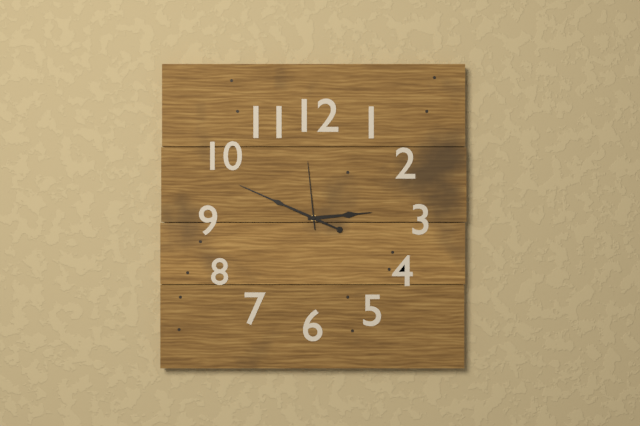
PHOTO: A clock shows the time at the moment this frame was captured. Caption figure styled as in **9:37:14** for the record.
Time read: **2:49:59**
